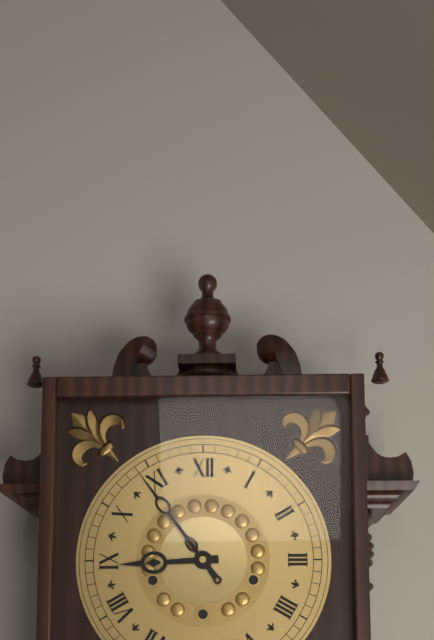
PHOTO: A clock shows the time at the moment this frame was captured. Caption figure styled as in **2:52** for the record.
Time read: **8:54**
